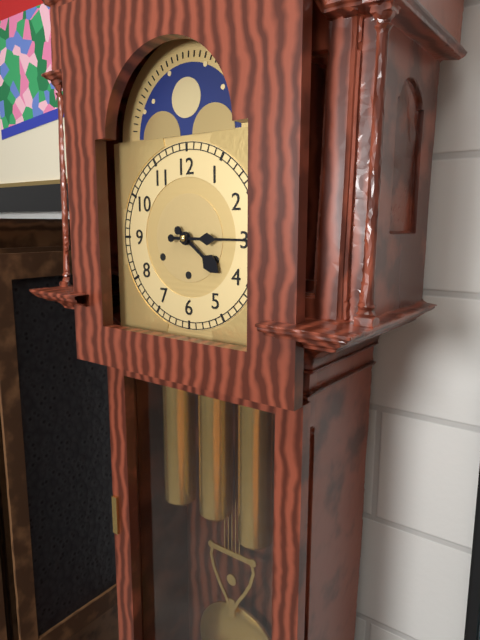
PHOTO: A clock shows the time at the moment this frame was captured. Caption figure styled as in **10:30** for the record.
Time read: **4:15**
